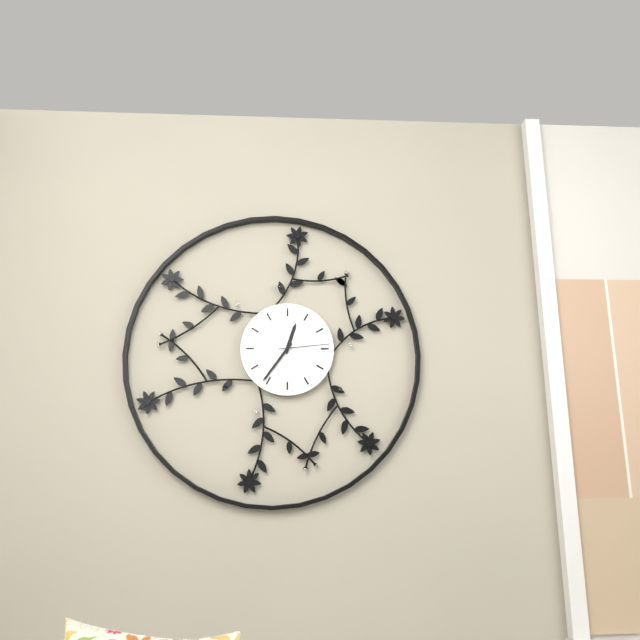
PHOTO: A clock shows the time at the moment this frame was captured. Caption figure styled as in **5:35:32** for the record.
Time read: **12:36:14**
